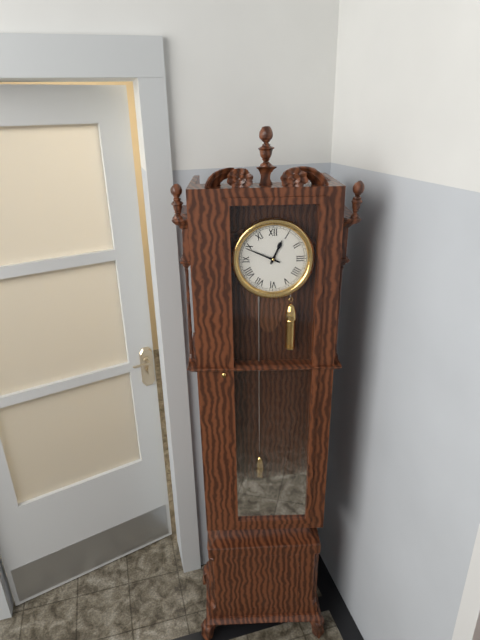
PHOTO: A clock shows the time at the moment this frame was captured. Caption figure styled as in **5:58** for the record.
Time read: **12:49**
